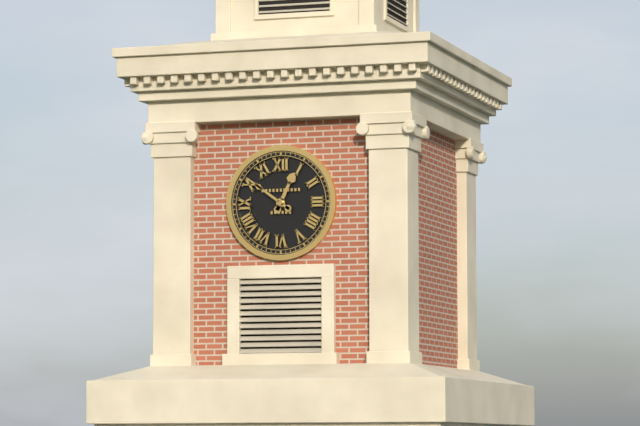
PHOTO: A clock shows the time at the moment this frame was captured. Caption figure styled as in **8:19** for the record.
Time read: **12:51**
